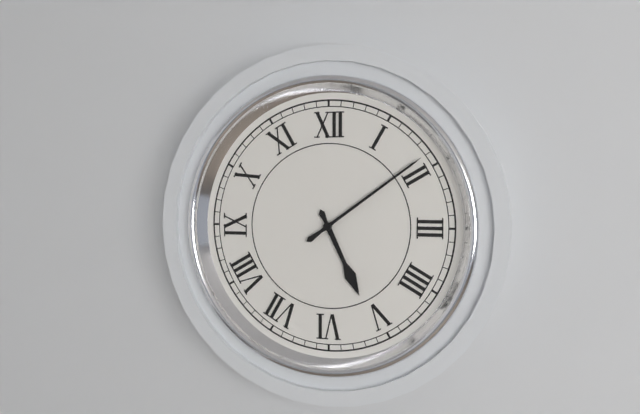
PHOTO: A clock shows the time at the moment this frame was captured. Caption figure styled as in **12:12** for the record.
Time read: **5:09**
